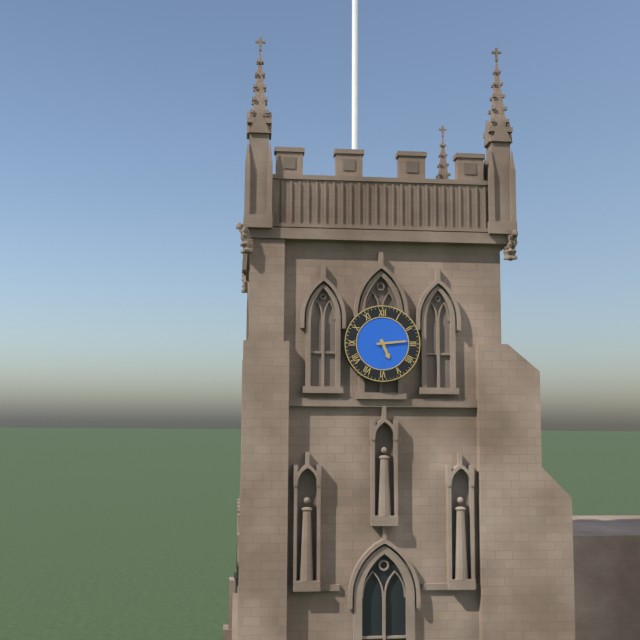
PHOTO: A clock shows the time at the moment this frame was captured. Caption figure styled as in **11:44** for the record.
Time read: **5:14**
